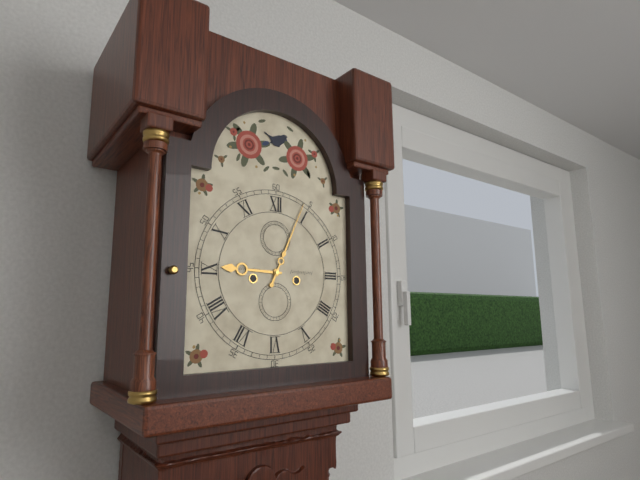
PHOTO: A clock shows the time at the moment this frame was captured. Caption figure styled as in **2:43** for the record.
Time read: **9:04**
